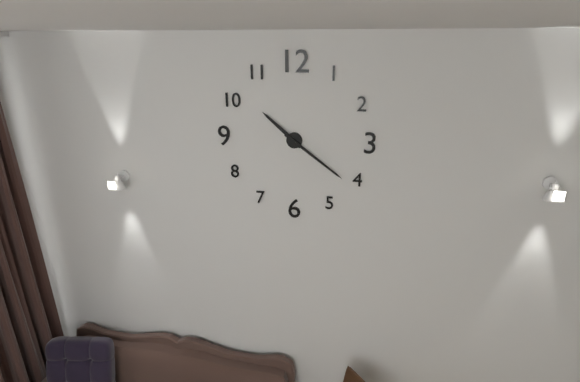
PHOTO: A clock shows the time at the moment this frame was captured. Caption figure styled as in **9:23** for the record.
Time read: **10:21**
